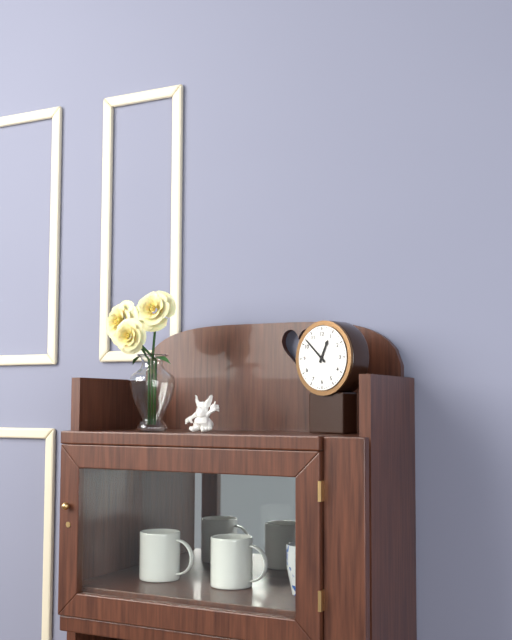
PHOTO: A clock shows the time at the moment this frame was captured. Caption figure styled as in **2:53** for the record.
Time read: **12:52**
